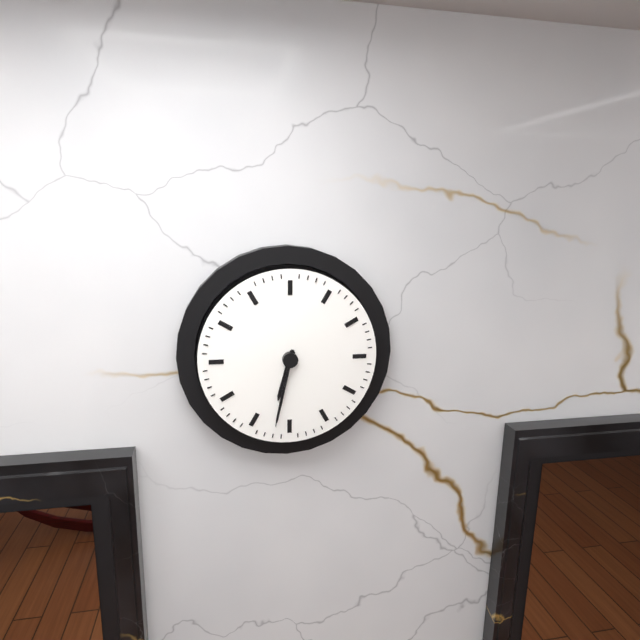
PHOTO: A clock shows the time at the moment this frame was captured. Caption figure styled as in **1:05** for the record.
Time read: **6:32**
